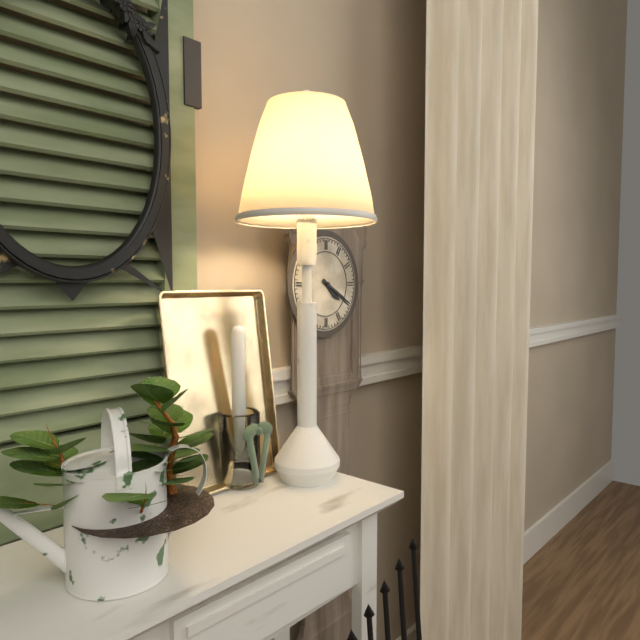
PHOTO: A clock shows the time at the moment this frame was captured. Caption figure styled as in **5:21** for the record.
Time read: **4:20**
